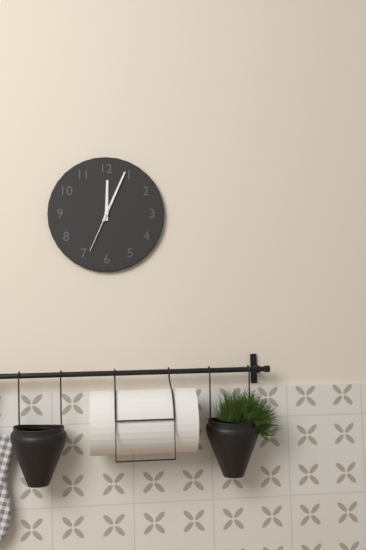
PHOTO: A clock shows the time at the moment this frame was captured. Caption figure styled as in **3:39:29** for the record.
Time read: **12:04:34**
